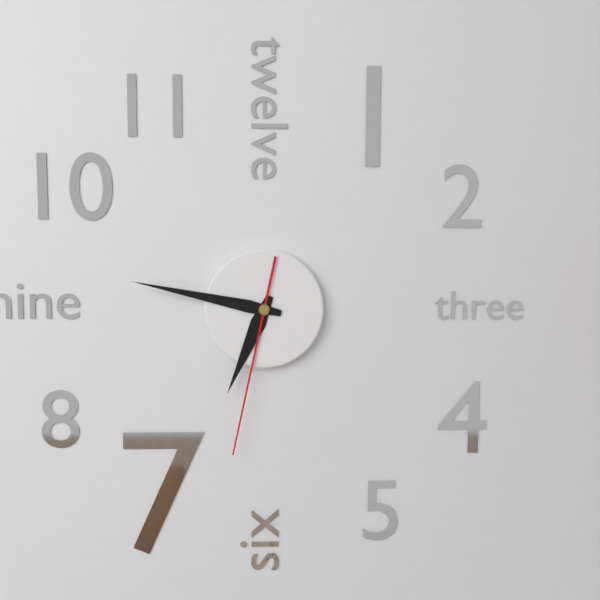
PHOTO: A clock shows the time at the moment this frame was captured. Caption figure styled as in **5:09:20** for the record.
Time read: **6:47:32**
